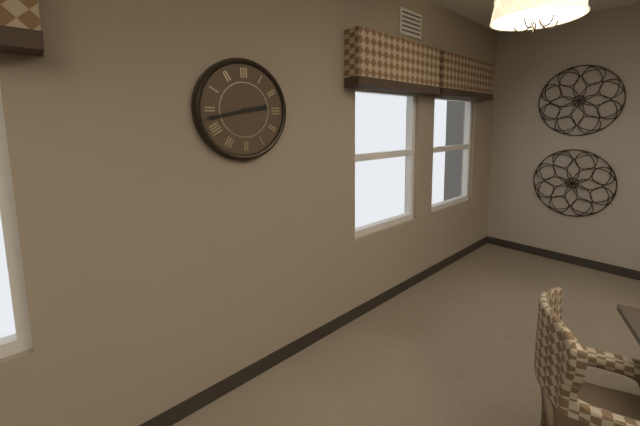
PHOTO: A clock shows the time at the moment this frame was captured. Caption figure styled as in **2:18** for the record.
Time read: **2:43**
